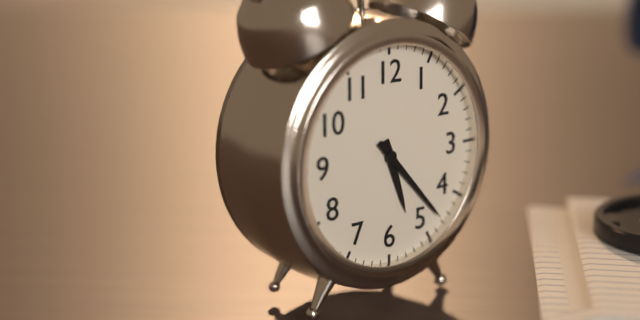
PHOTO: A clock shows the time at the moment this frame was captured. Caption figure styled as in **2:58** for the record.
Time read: **5:23**
